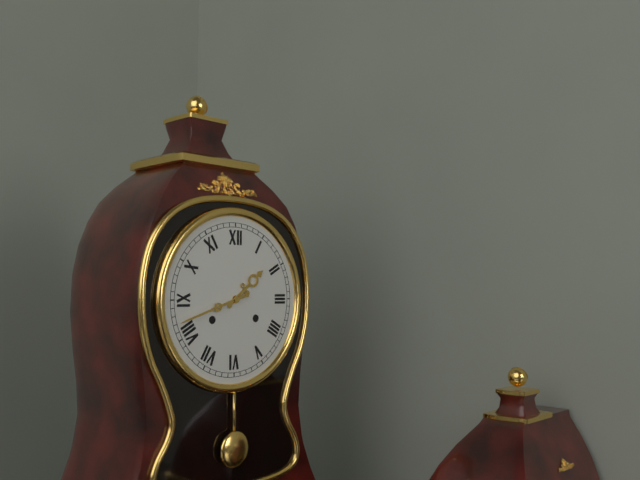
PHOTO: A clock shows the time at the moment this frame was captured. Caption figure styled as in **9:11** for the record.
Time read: **1:42**
